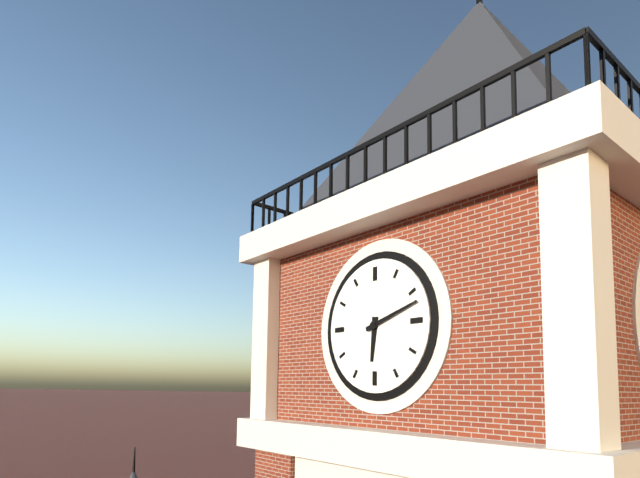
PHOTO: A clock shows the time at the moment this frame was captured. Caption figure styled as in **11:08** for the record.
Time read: **6:12**
